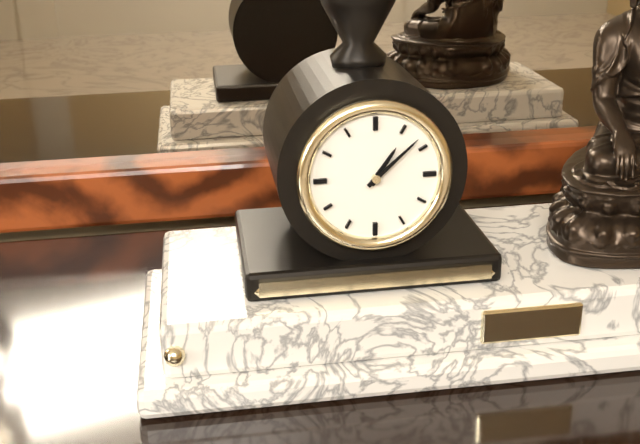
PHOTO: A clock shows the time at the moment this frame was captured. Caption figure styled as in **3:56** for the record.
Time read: **1:08**
